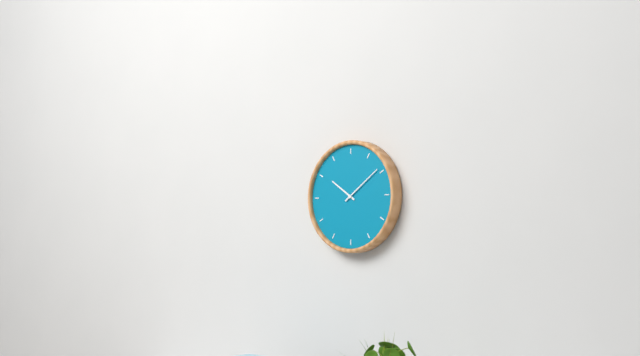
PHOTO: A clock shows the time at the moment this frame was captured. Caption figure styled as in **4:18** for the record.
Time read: **10:09**
